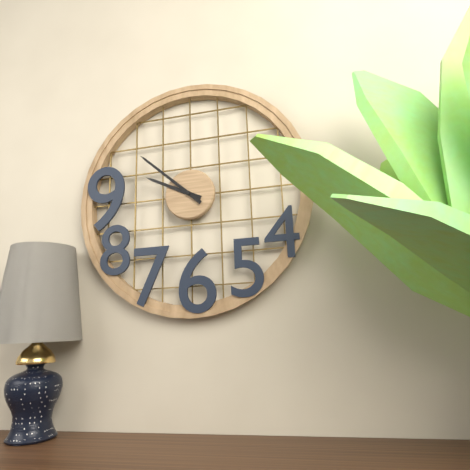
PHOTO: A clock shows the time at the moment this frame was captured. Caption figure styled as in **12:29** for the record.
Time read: **9:52**
